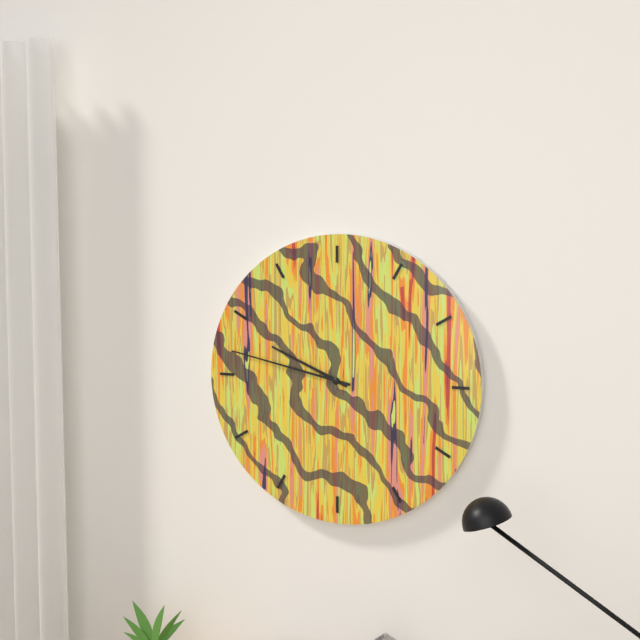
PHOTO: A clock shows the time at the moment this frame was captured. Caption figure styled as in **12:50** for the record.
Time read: **9:47**
